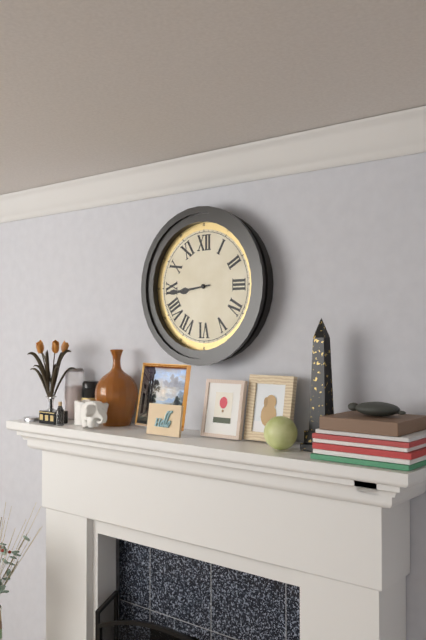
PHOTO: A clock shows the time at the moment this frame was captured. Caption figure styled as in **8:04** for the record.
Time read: **8:44**
